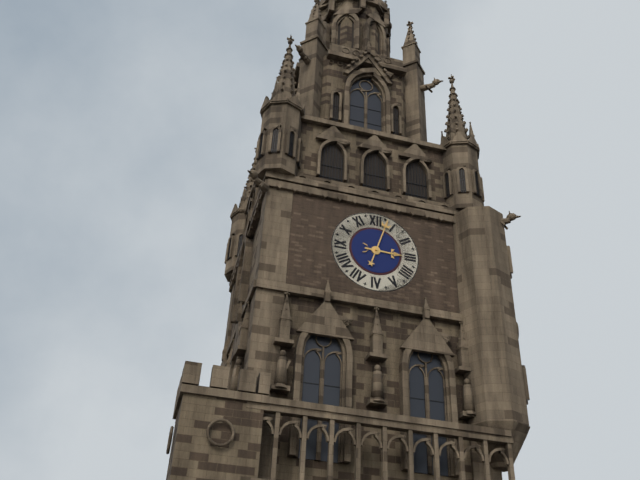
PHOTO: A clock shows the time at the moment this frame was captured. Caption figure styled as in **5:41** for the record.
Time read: **3:03**
